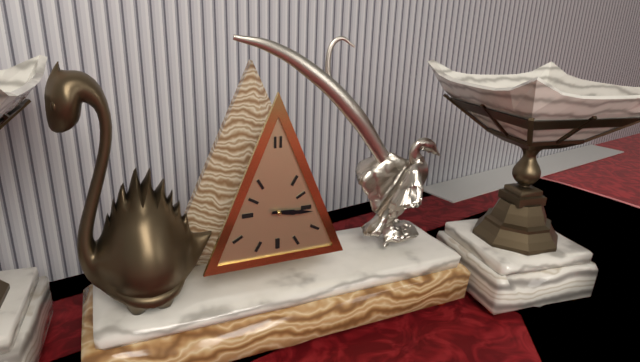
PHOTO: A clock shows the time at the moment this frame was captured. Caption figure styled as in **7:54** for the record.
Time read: **3:16**
